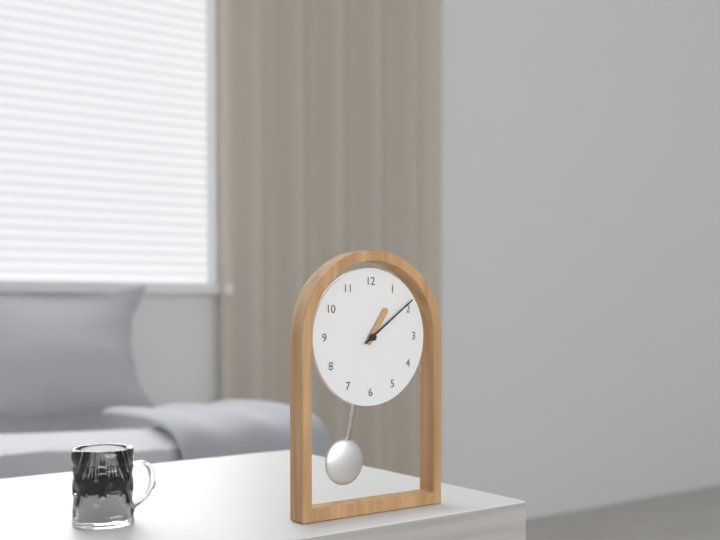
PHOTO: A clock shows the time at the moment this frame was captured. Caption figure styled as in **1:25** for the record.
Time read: **1:09**
